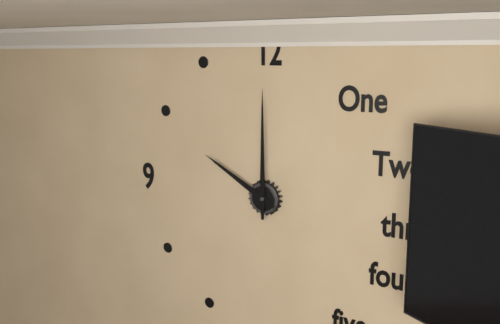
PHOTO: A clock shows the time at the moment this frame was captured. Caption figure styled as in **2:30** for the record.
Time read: **10:00**
